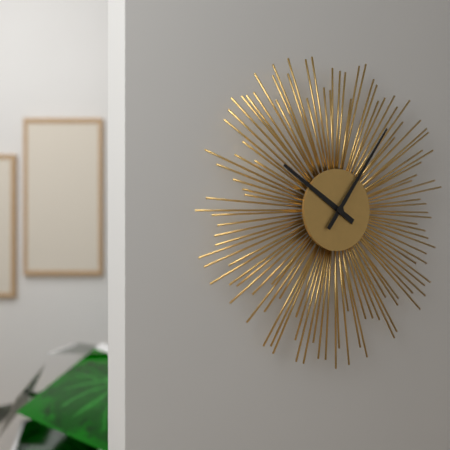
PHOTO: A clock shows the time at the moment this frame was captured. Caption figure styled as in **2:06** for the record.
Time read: **10:06**
